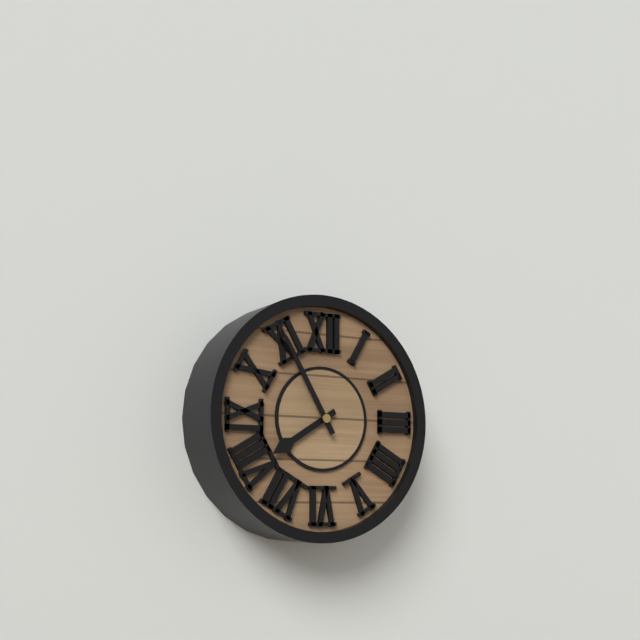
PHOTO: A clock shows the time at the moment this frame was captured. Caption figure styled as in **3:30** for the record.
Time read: **7:55**
